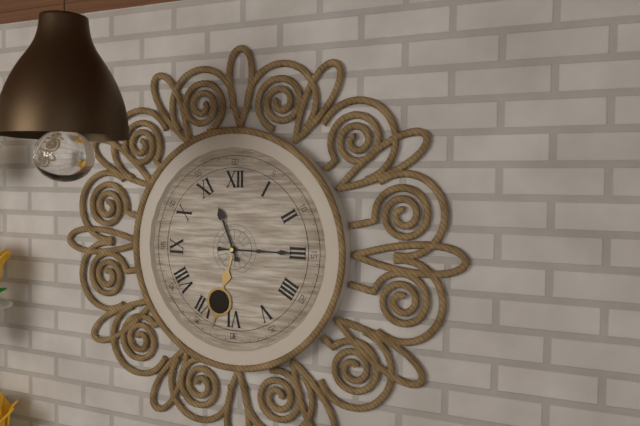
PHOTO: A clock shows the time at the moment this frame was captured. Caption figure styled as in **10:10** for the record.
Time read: **11:15**
